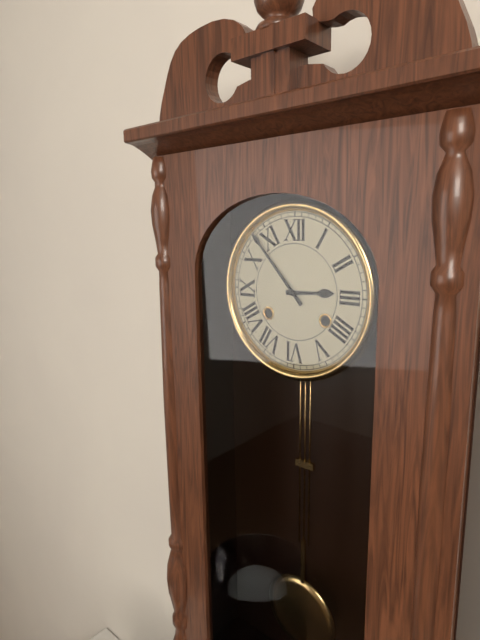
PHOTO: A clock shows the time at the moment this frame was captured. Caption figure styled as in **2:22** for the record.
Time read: **2:53**
